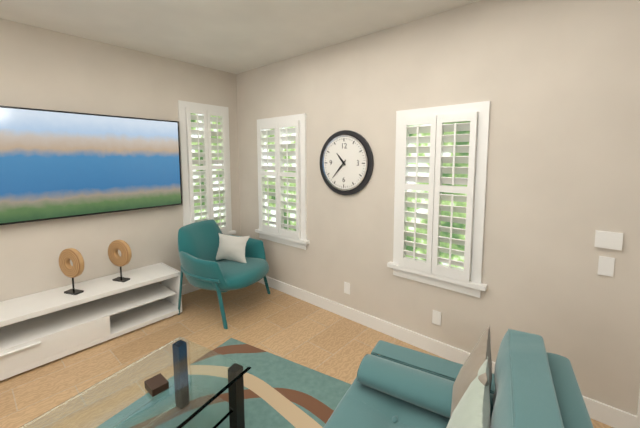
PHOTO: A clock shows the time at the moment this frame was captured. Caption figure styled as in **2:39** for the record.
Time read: **10:37**
